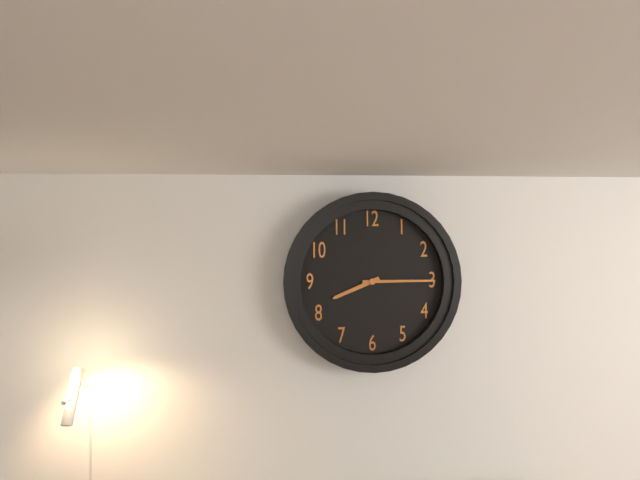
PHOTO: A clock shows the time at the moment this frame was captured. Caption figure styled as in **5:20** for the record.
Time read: **8:15**
